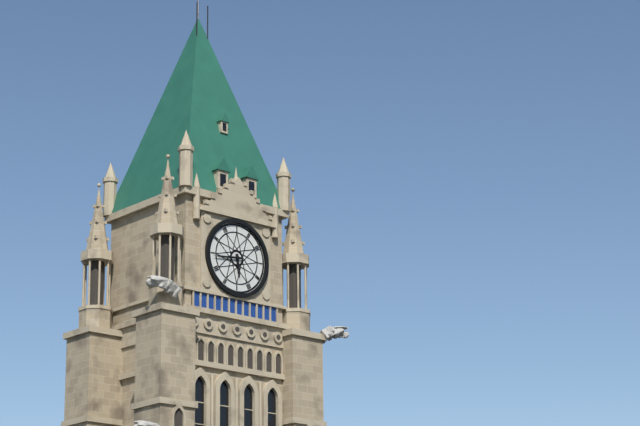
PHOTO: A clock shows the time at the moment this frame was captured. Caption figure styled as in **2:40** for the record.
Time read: **5:44**
